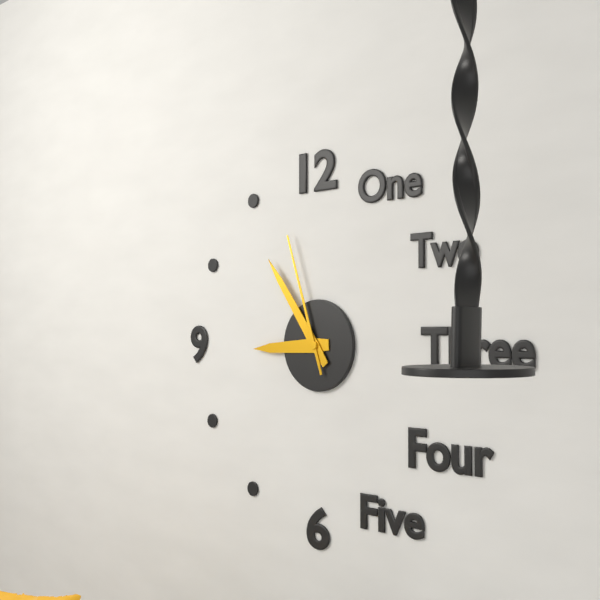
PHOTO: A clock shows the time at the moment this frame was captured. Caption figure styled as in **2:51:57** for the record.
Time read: **8:54:57**
